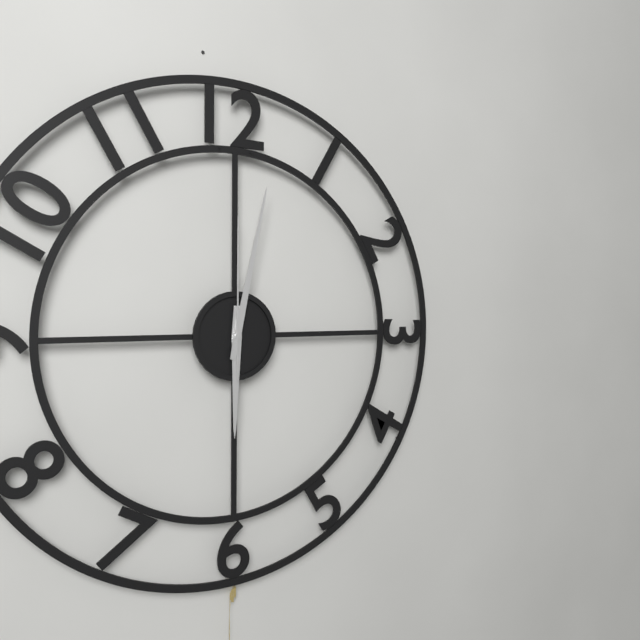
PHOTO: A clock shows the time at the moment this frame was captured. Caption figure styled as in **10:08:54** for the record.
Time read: **6:02:00**
